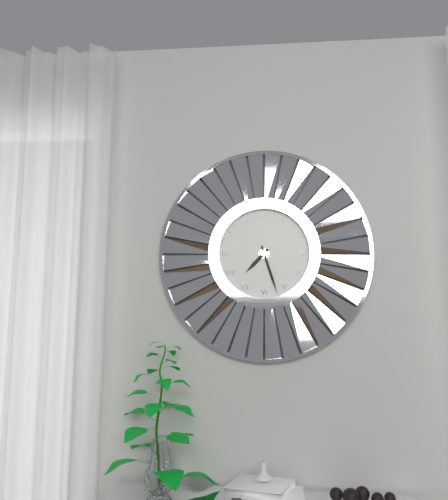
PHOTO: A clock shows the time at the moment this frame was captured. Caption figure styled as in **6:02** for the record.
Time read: **7:27**
